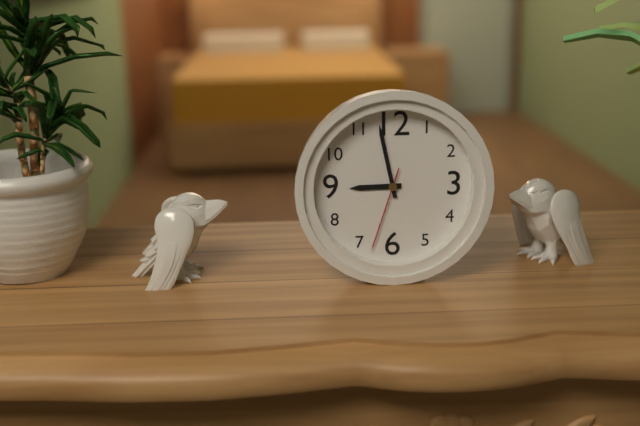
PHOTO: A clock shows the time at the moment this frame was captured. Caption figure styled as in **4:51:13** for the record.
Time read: **8:58:33**
